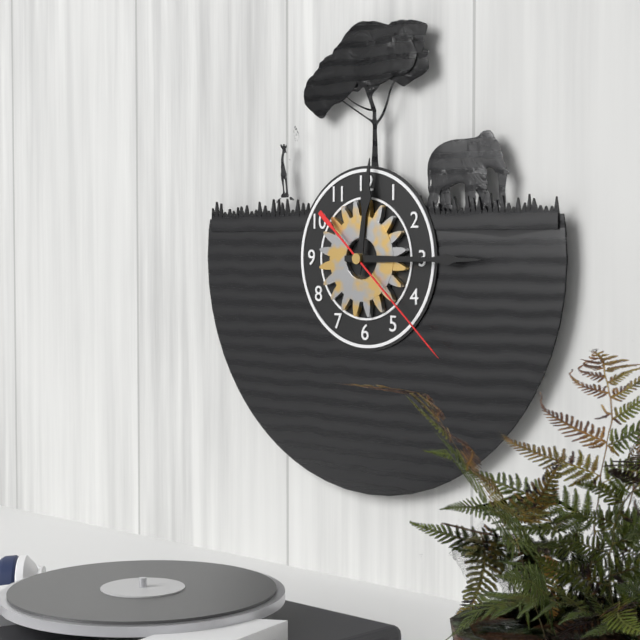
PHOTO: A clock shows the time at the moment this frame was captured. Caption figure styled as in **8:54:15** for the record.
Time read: **12:15:22**
